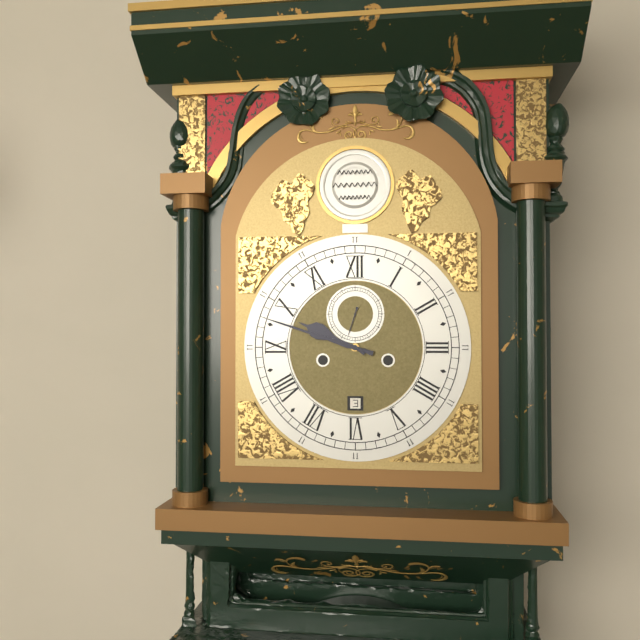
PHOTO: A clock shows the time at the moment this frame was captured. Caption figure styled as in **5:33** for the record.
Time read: **9:48**
